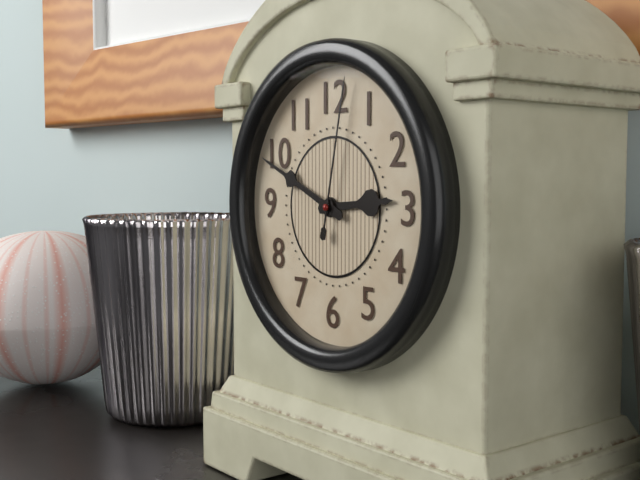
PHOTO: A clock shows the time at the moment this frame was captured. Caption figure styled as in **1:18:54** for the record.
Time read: **2:49:02**
